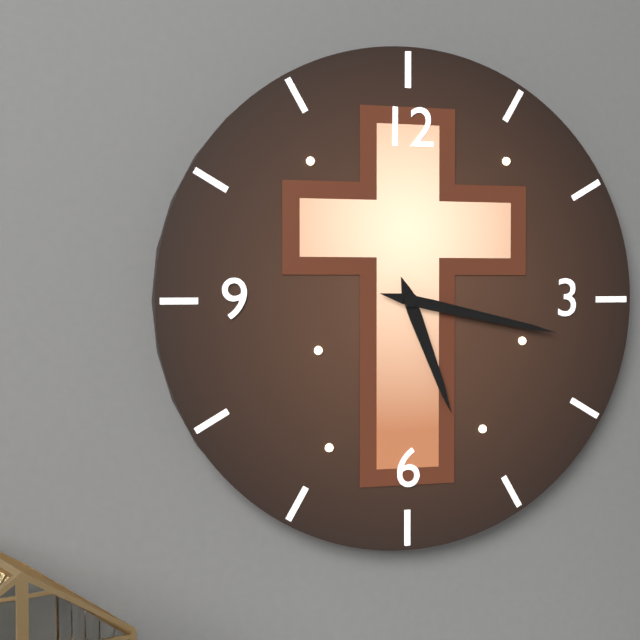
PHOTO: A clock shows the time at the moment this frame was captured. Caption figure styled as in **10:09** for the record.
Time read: **5:17**
